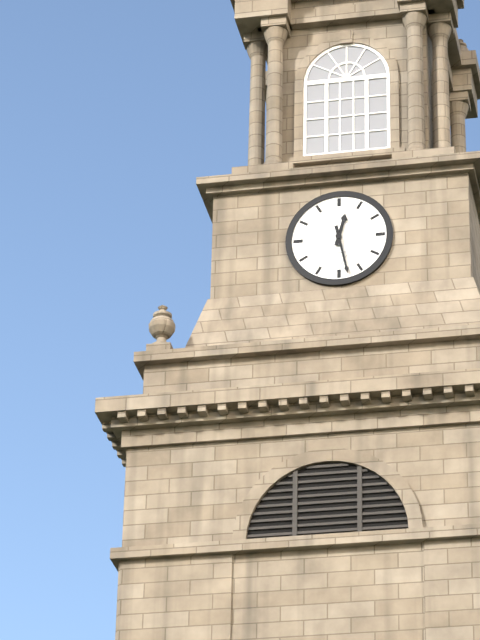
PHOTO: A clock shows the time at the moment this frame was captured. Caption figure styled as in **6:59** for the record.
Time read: **12:28**
